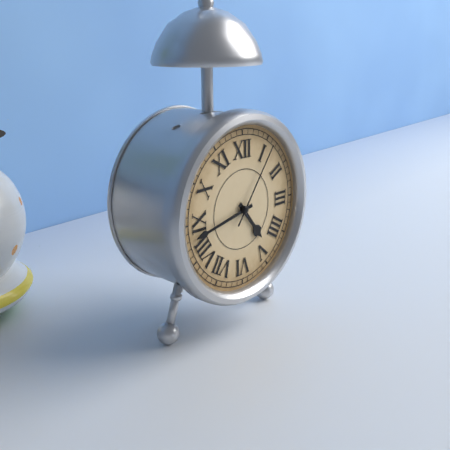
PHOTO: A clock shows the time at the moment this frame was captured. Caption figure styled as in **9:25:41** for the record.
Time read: **4:43:06**
